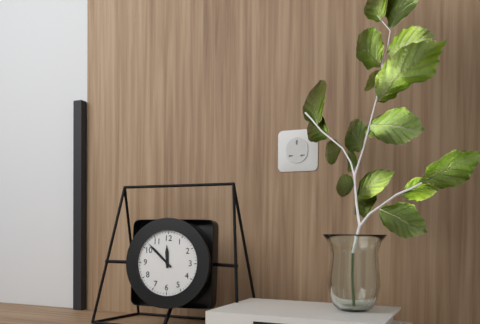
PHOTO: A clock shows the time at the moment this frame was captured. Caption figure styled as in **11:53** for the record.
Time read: **11:52**
